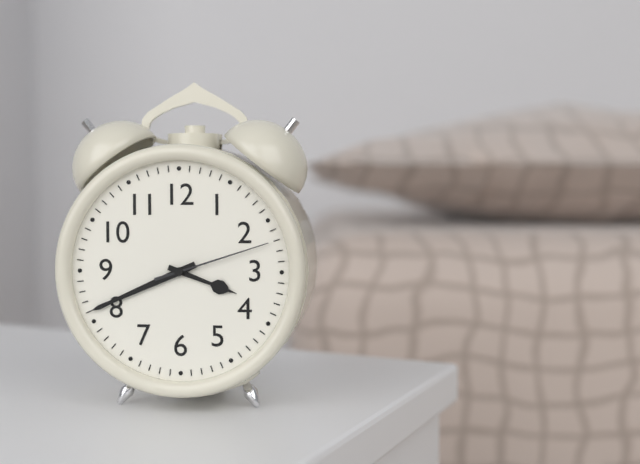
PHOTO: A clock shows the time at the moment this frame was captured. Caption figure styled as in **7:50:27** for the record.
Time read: **3:41:12**
